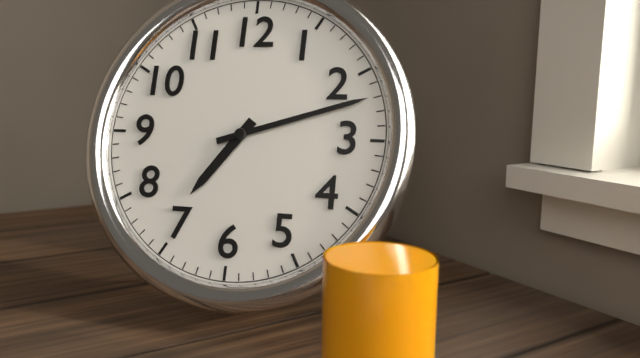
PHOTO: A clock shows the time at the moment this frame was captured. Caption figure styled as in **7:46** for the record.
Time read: **7:12**
